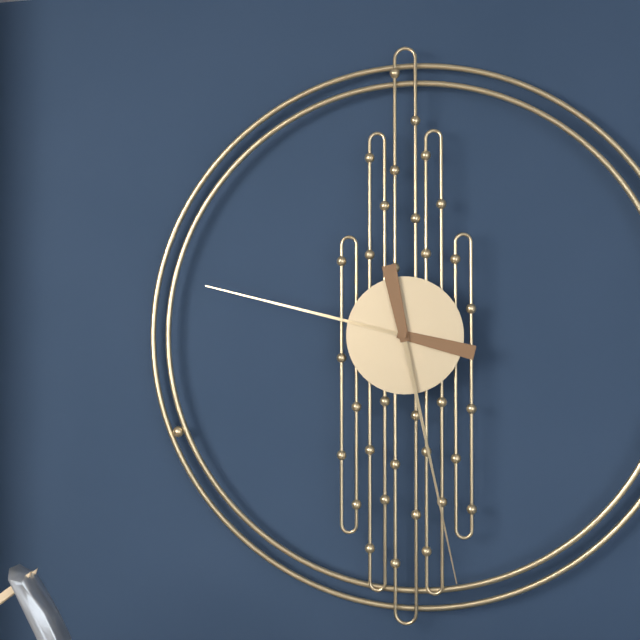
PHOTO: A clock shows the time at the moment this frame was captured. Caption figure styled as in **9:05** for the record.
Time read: **9:28**
